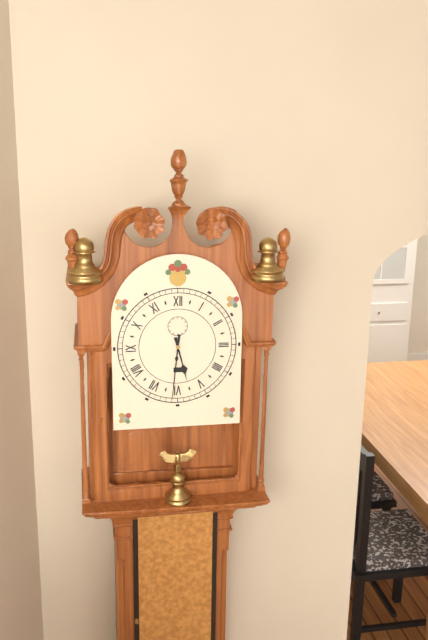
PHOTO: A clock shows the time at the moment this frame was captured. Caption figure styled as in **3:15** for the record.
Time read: **5:31**
